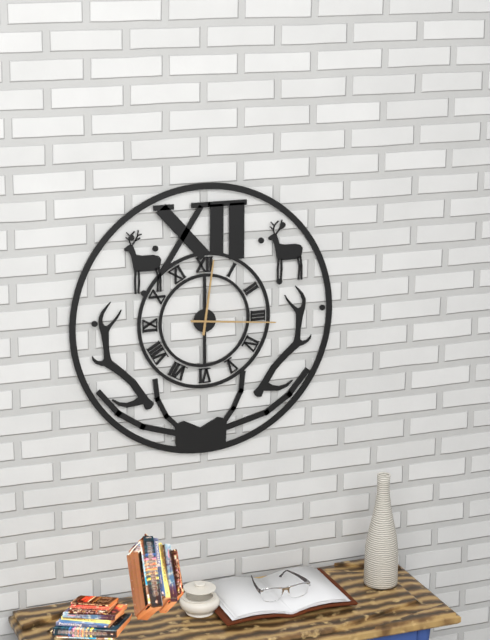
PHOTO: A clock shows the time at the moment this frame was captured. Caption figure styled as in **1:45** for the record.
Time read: **12:16**
